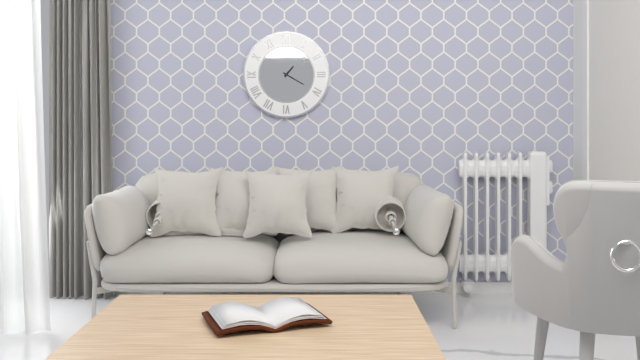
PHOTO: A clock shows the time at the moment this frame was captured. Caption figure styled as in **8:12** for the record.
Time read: **1:20**
